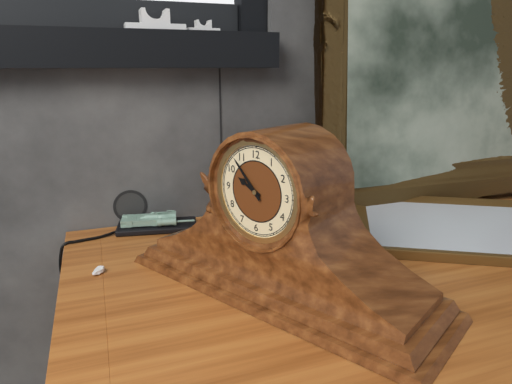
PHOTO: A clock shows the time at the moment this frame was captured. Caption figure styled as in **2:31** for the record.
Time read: **9:53**
